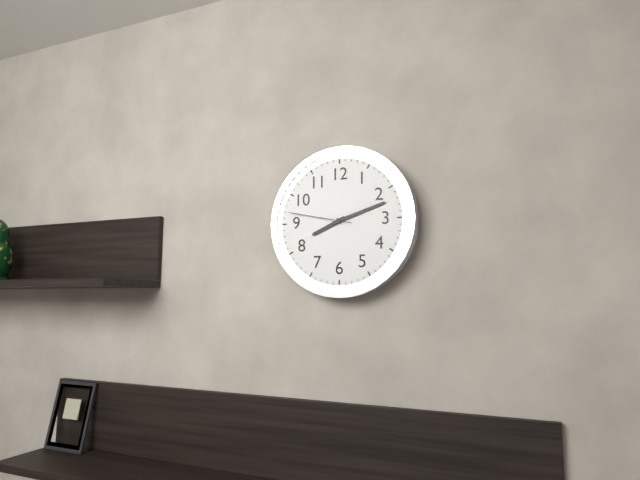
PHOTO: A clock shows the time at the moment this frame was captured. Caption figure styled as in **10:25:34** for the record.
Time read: **8:12:47**
